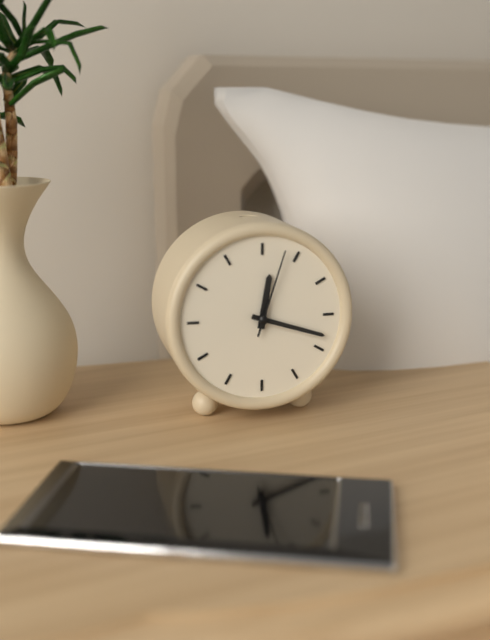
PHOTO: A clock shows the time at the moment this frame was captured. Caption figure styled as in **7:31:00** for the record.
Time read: **12:18:03**
